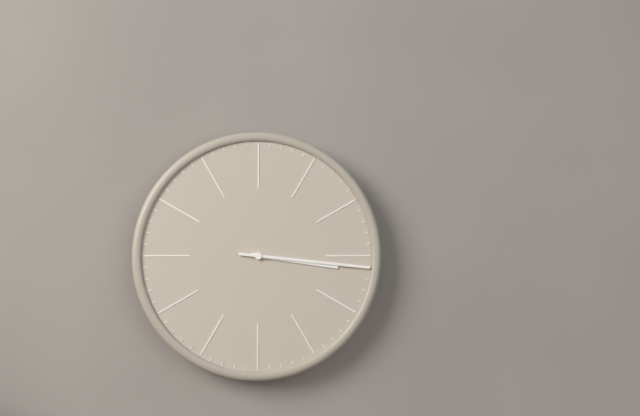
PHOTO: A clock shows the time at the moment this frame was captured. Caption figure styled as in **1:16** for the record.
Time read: **3:16**
